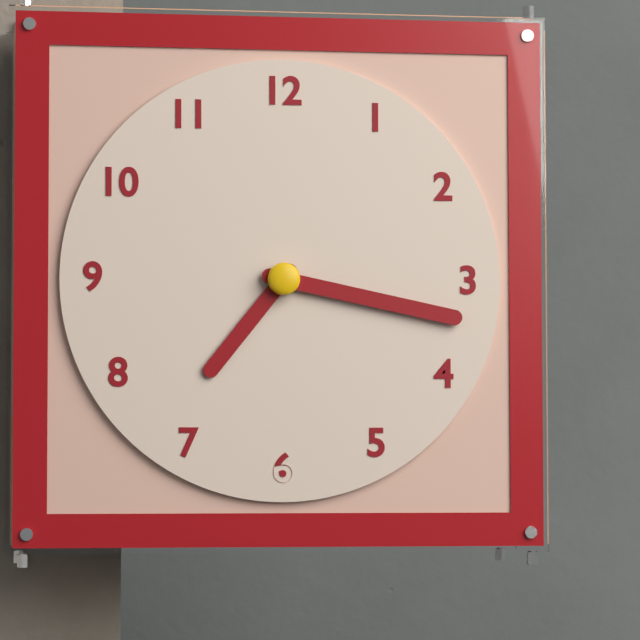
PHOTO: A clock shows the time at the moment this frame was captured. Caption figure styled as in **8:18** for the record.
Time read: **7:17**
